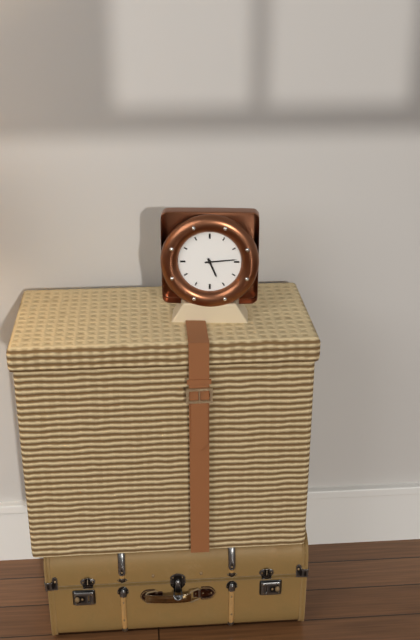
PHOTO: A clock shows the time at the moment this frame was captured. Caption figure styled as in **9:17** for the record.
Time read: **5:14**
